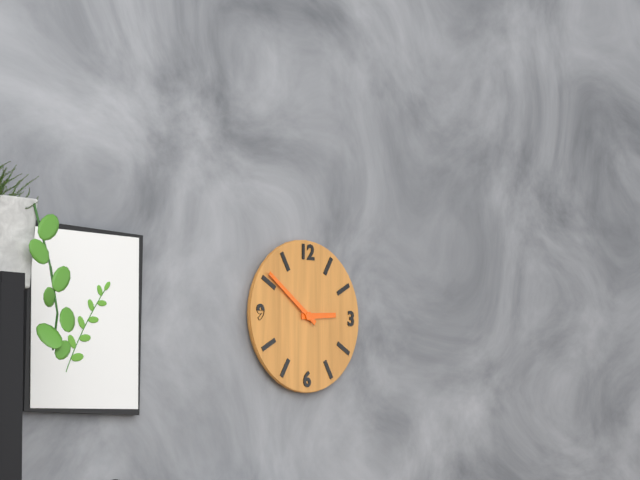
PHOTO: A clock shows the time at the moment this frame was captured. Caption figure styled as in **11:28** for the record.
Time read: **2:51**
